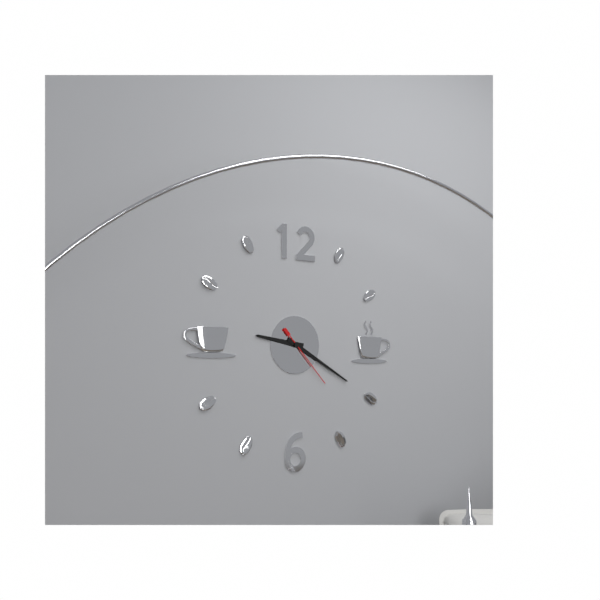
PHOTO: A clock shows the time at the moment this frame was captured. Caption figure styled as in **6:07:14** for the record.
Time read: **9:20:23**
